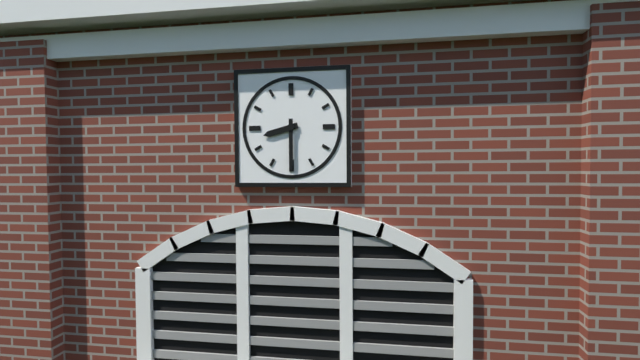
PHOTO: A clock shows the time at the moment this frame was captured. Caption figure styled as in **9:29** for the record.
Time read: **8:30**
